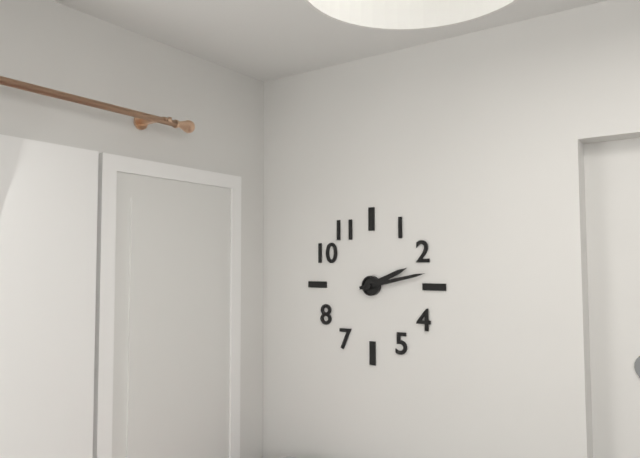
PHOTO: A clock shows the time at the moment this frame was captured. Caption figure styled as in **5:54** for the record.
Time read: **2:13**
